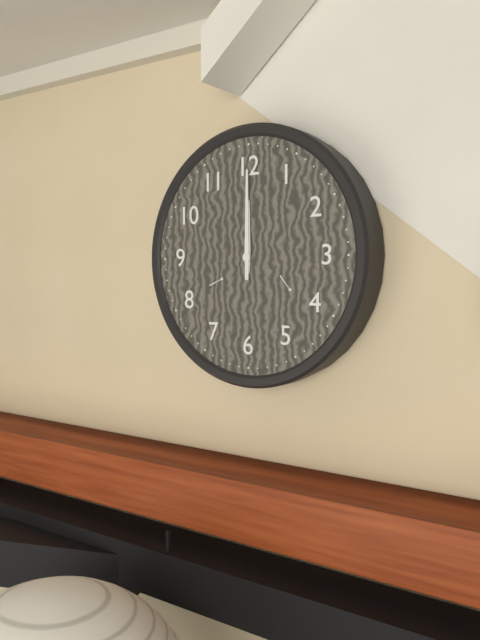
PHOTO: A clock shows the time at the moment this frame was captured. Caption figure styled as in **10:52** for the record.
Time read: **12:00**
